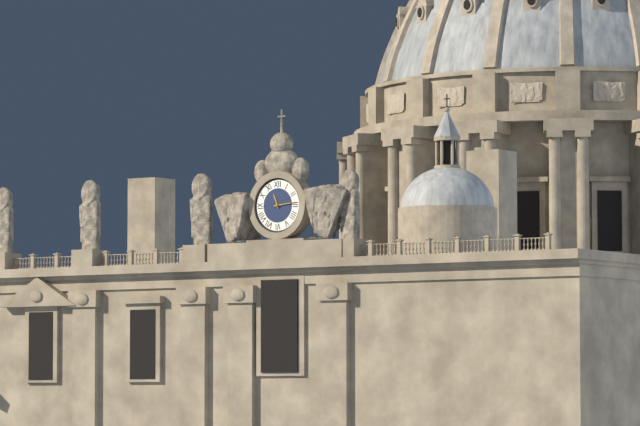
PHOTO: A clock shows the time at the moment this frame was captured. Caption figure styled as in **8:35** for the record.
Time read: **11:14**
